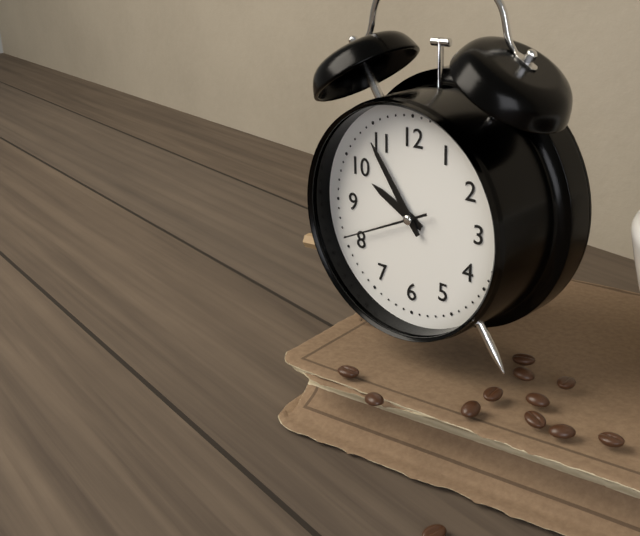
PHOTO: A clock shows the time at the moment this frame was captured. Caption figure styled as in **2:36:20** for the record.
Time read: **9:54:41**
